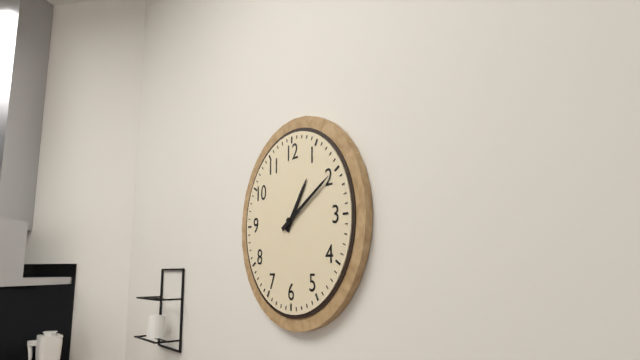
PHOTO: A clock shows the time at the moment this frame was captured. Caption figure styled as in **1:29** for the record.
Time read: **1:10**
